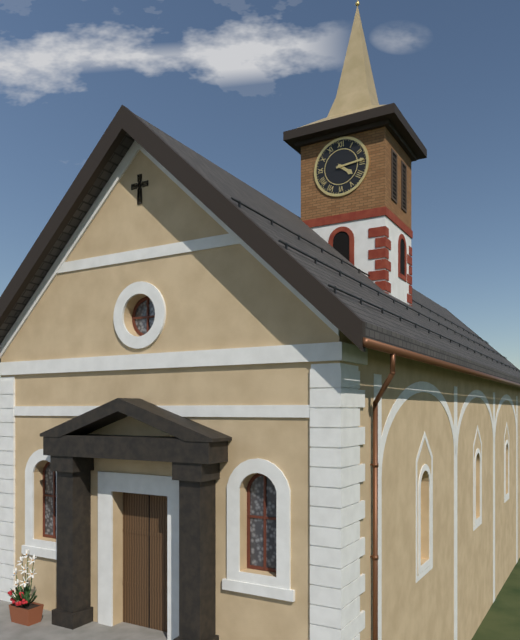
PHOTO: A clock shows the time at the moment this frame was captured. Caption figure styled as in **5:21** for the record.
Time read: **4:14**
